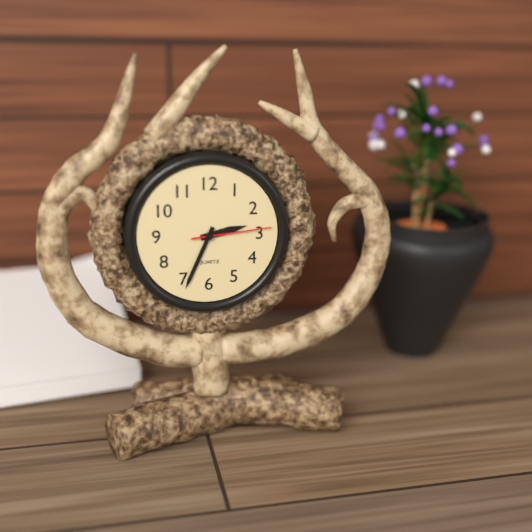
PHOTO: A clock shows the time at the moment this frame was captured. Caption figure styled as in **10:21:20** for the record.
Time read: **2:34:14**
